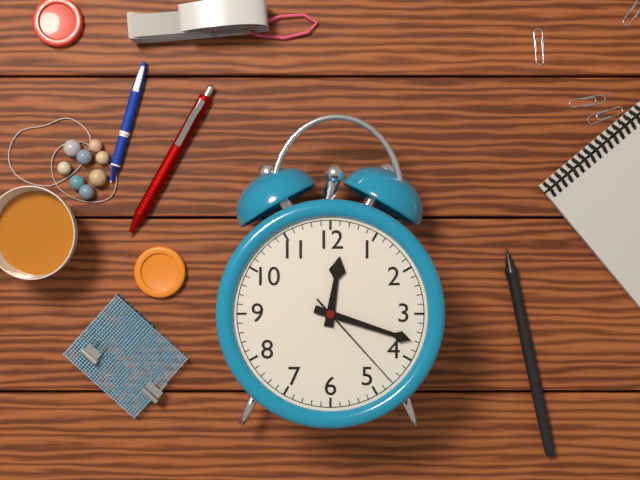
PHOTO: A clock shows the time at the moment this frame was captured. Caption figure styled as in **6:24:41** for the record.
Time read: **12:18:23**
